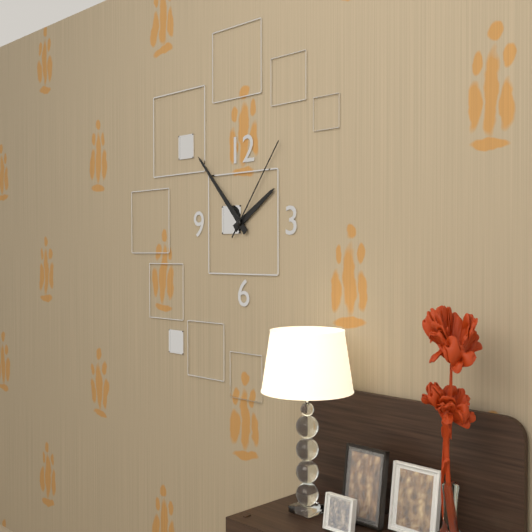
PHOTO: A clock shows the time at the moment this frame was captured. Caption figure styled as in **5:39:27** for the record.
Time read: **1:53:06**
